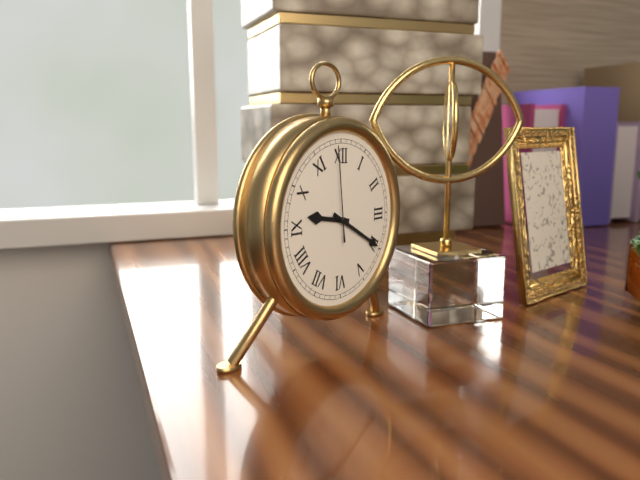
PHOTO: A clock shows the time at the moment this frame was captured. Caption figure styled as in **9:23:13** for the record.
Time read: **9:20:59**
